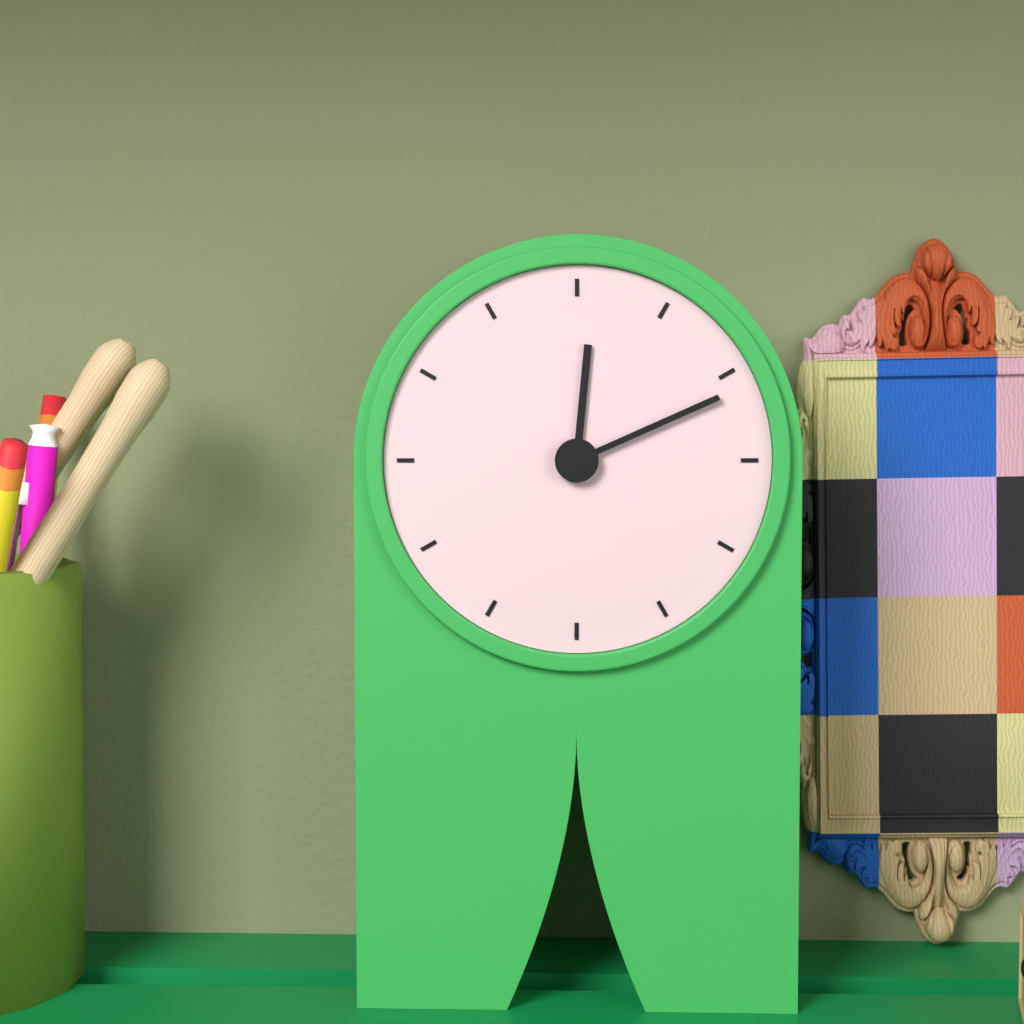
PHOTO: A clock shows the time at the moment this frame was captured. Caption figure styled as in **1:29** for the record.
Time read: **12:11**
